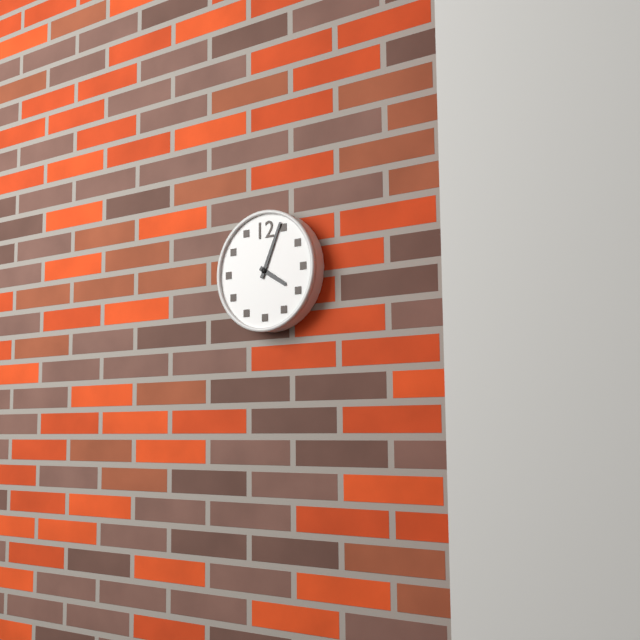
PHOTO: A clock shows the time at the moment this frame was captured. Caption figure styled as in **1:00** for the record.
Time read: **4:04**
